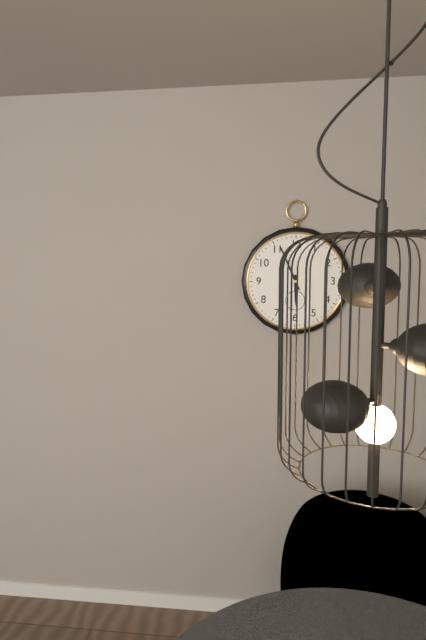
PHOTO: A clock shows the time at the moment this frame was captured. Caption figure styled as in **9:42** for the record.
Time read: **5:56**
